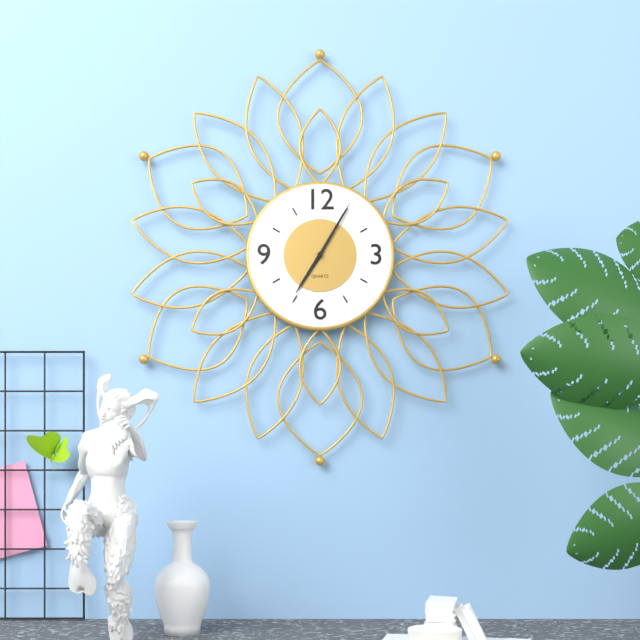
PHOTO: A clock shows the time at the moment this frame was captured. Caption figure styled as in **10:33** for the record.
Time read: **7:05**
